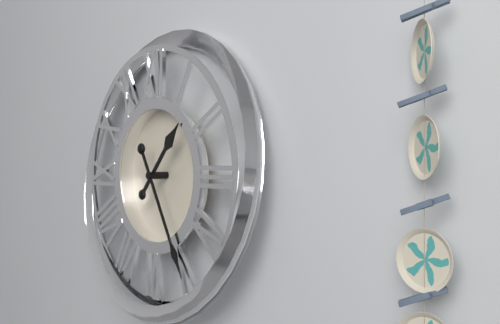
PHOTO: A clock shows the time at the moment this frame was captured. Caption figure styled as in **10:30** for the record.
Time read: **1:25**
